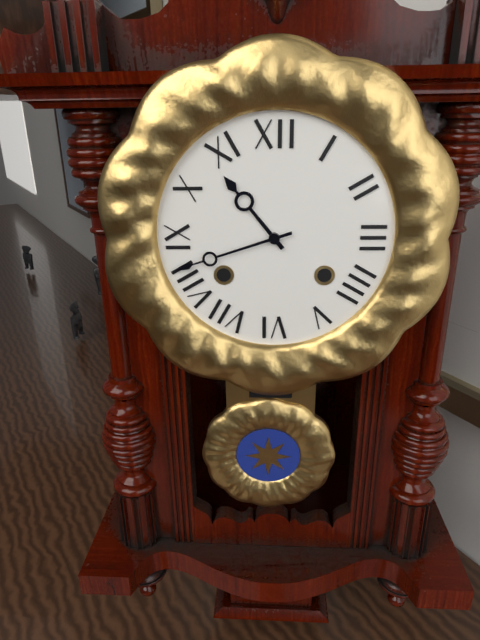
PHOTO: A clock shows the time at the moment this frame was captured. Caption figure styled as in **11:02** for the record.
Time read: **10:42**
